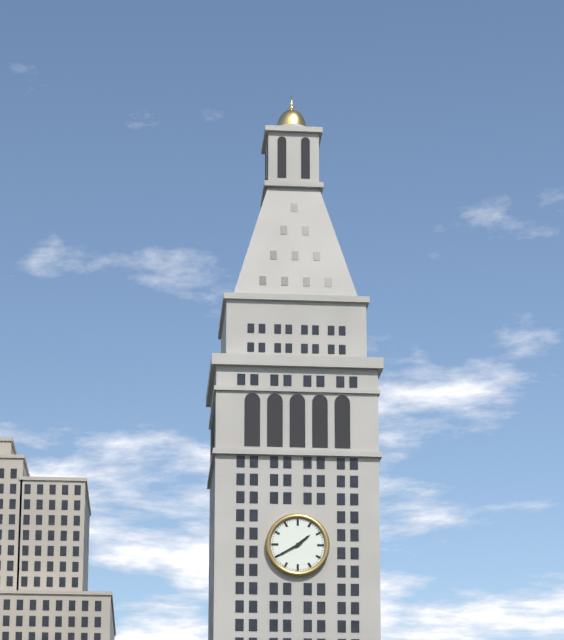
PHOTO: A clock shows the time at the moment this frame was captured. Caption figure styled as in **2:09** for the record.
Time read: **1:40**
